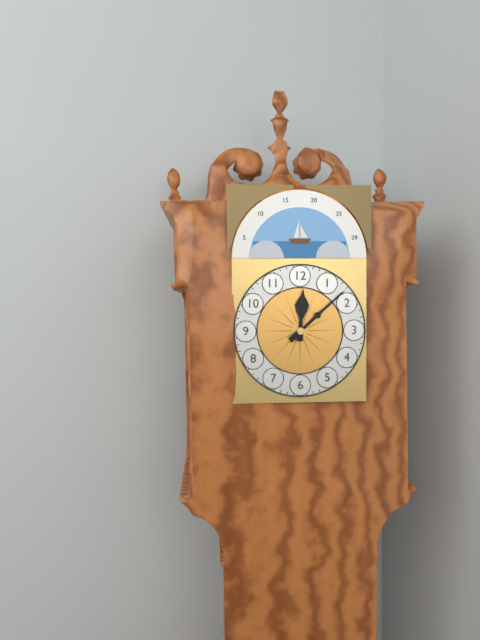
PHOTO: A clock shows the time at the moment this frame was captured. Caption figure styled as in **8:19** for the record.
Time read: **12:08**
